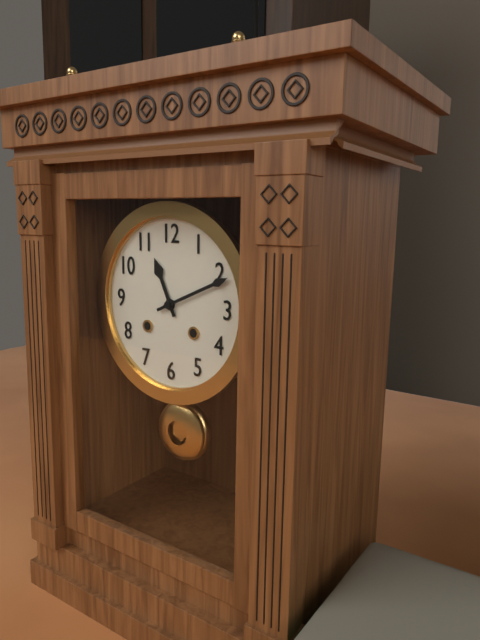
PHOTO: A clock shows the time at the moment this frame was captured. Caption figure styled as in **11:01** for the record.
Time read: **11:11**
